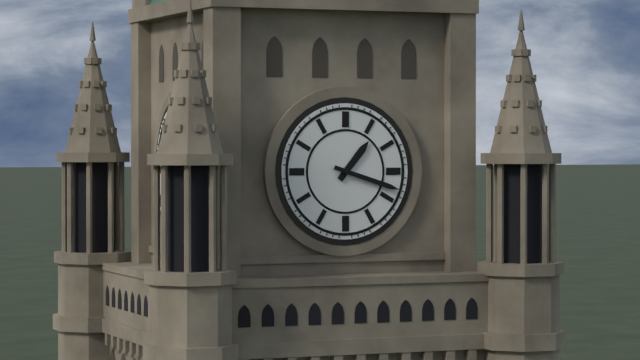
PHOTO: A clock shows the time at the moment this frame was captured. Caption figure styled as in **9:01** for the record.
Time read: **1:18**
